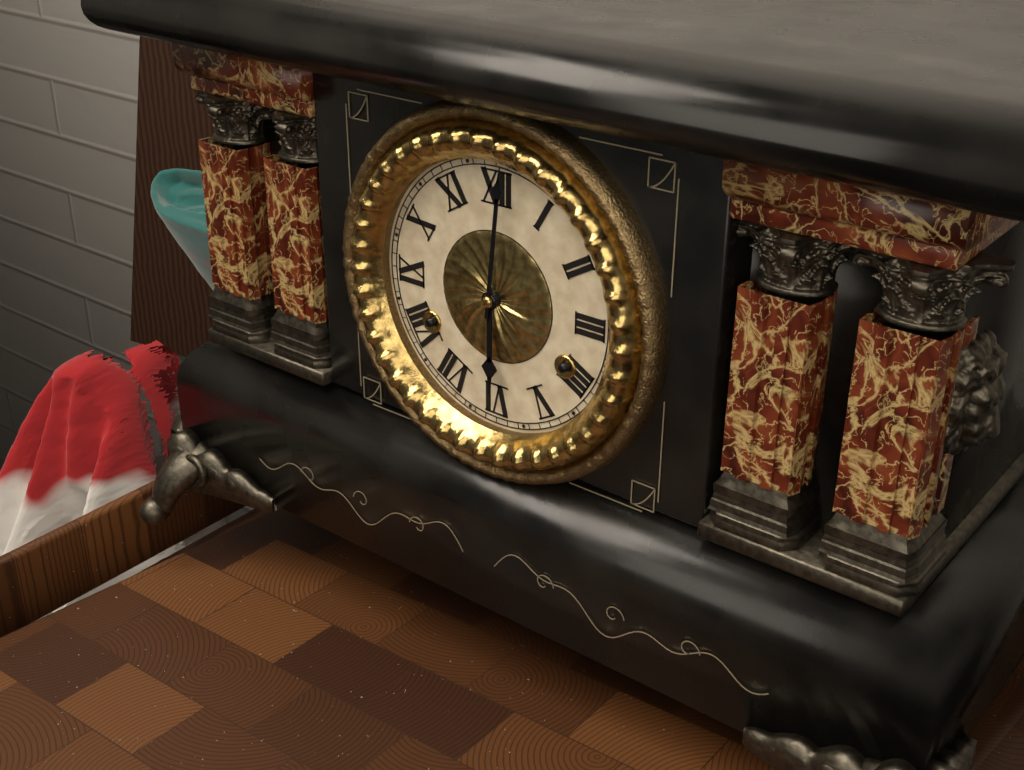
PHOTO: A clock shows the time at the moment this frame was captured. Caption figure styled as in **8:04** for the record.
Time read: **6:01**
